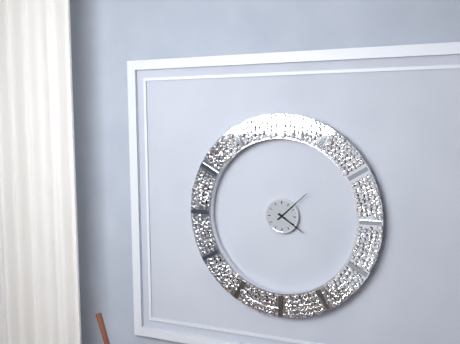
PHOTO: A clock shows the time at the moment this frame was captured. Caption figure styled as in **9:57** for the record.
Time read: **4:08**
